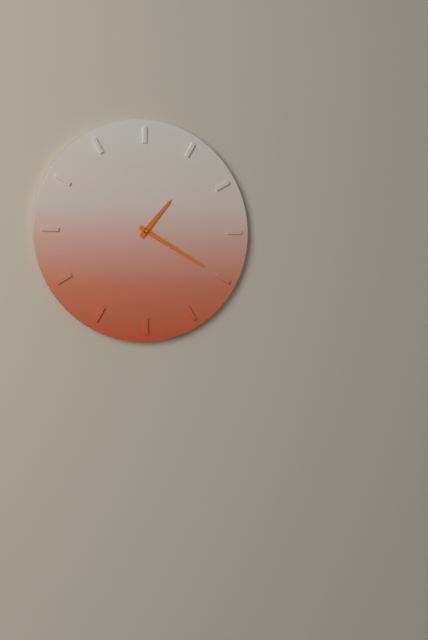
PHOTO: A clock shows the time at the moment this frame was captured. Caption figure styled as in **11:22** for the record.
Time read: **1:20**
